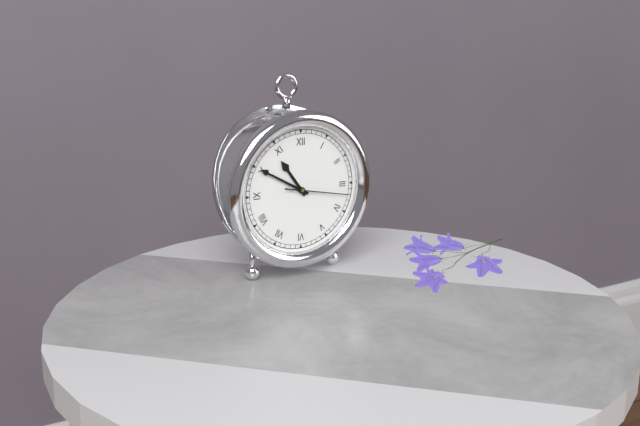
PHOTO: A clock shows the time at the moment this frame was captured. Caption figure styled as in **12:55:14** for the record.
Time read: **10:50:17**
